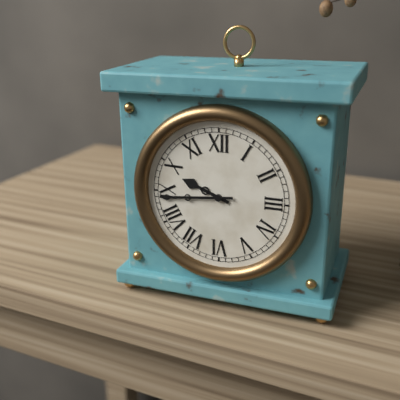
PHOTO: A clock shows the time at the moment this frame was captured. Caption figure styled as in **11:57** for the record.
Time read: **9:44**
